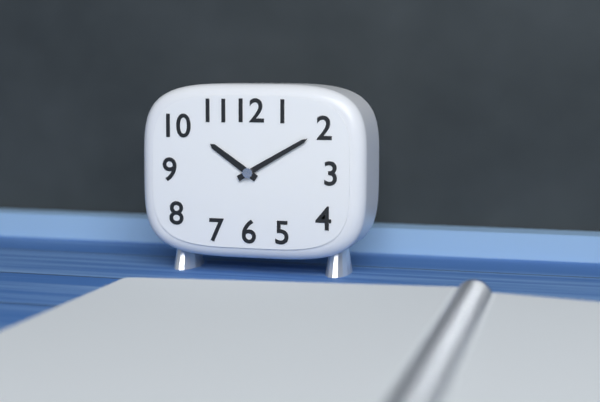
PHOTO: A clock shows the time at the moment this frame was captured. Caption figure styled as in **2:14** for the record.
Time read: **10:10**
